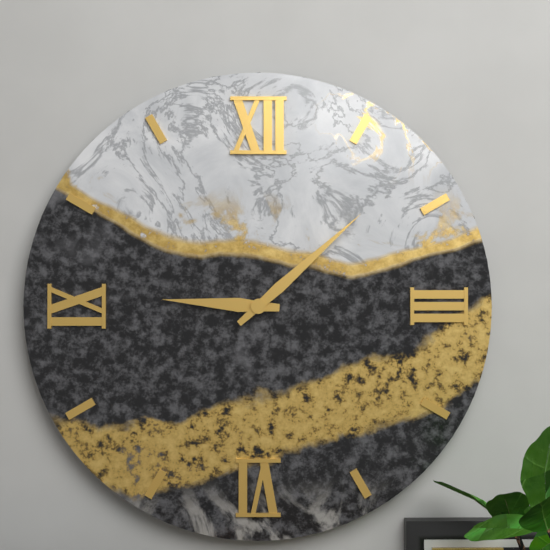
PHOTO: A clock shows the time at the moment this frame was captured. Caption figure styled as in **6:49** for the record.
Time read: **9:08**
